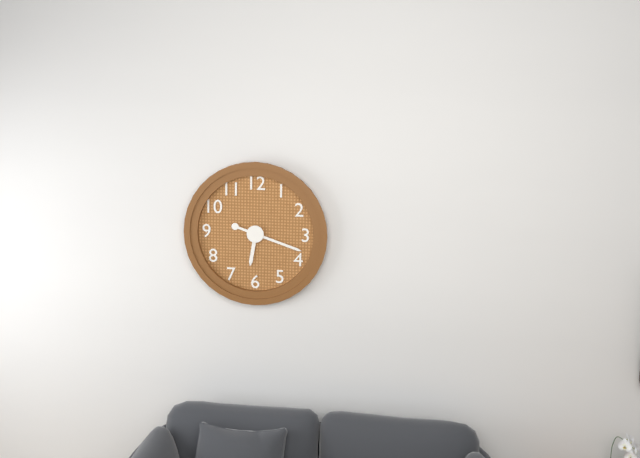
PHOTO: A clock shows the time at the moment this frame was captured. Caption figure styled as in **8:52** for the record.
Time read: **6:18**
